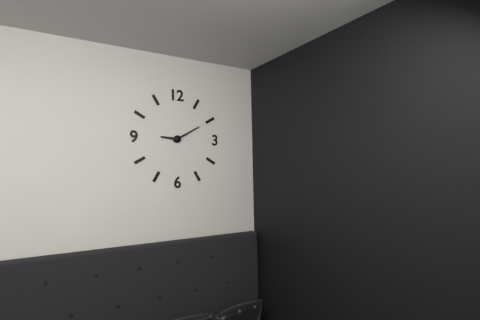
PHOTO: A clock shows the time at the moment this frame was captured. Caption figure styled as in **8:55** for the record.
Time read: **9:10**
